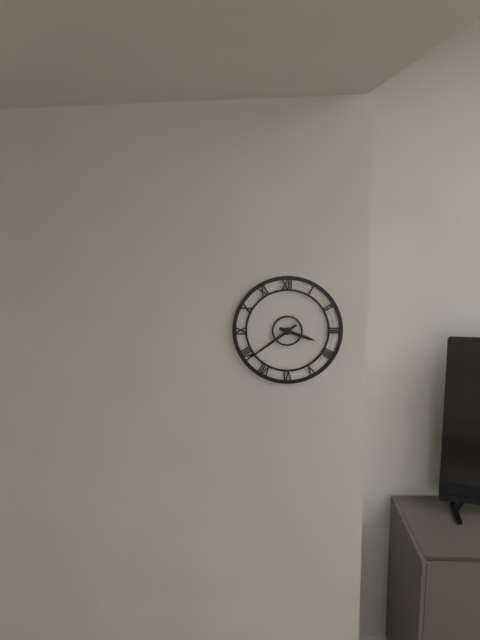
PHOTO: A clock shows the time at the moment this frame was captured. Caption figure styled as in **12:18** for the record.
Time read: **3:39**
